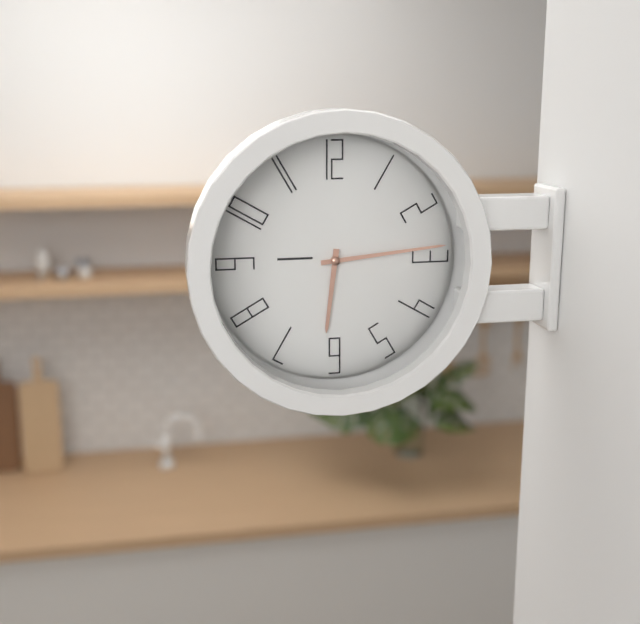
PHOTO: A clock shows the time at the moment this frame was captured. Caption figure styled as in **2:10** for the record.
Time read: **6:14**
